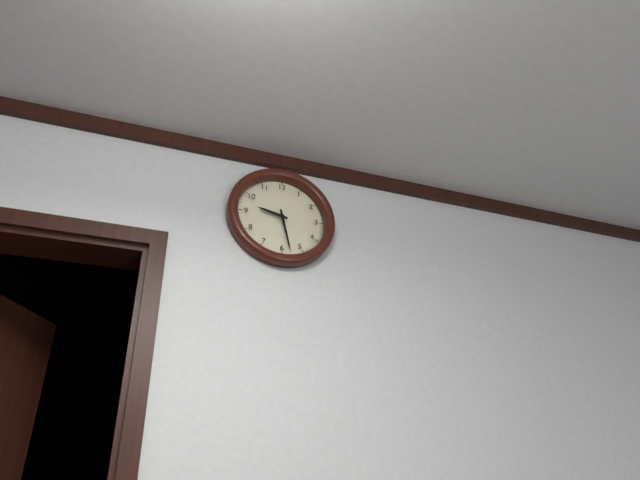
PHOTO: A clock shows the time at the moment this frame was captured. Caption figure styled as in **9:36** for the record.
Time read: **9:28**
